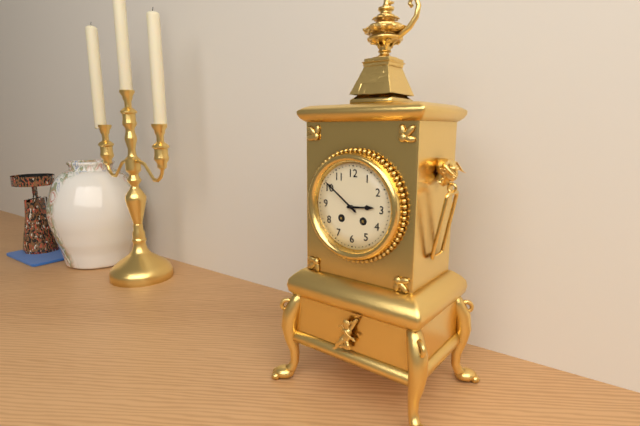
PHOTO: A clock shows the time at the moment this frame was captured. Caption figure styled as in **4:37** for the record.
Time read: **2:51**
